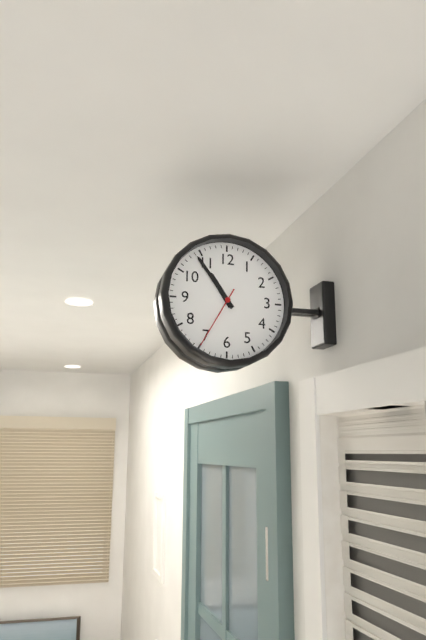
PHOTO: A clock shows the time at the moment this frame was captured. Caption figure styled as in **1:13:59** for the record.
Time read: **10:54:35**
